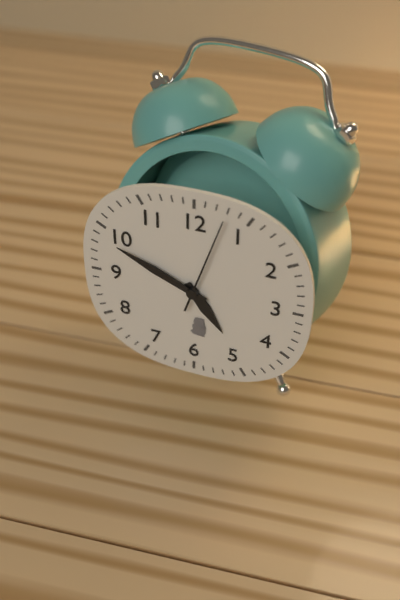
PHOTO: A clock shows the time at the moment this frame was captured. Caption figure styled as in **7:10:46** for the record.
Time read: **4:49:03**
